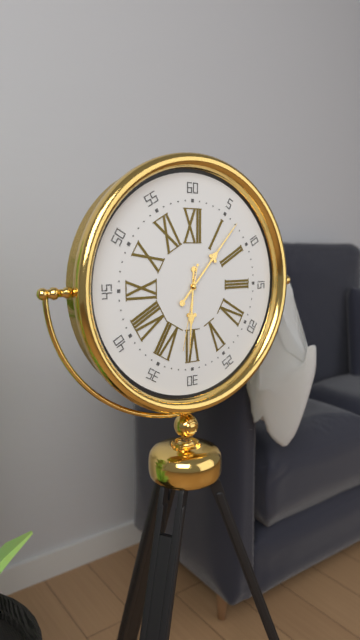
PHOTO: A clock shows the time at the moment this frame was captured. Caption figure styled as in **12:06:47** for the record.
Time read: **6:07:32**
